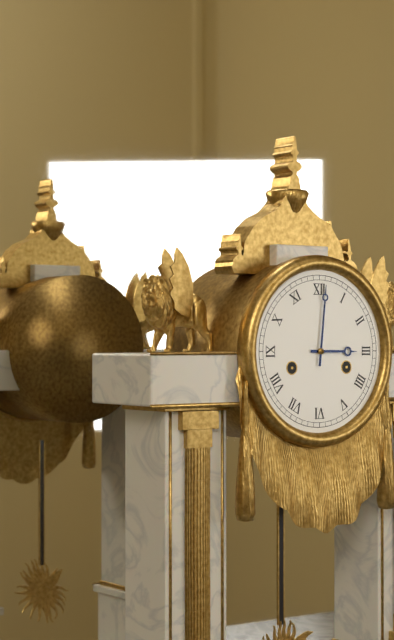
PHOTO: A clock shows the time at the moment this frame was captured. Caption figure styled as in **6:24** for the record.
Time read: **3:01**
